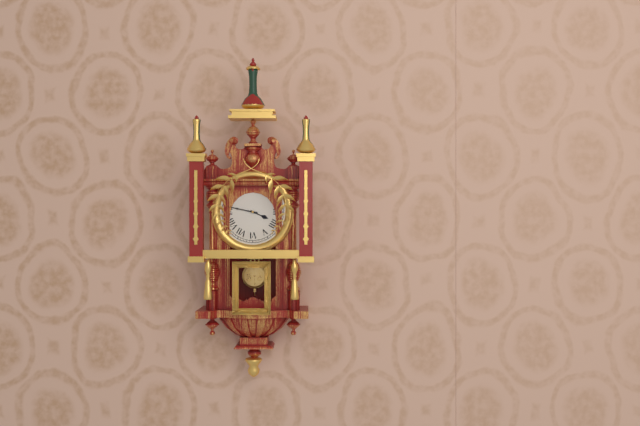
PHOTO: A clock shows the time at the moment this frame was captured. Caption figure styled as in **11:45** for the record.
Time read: **3:47**
